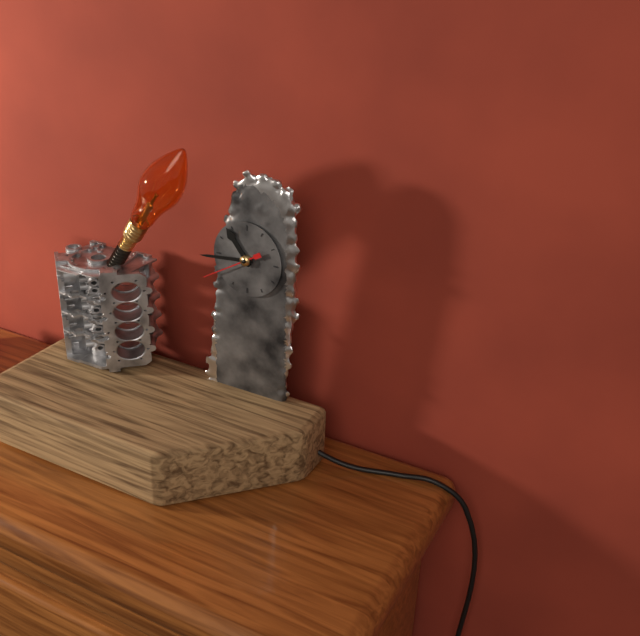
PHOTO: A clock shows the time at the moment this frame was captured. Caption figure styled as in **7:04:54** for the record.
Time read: **10:44:40**
